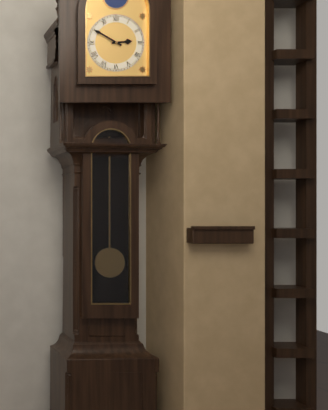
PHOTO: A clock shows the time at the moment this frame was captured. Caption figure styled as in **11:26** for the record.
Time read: **2:50**
